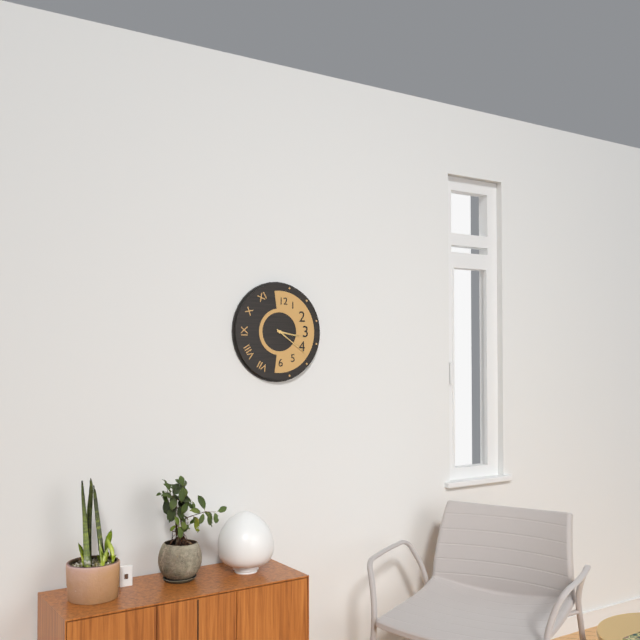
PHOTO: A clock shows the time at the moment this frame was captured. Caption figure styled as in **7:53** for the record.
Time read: **3:21**
